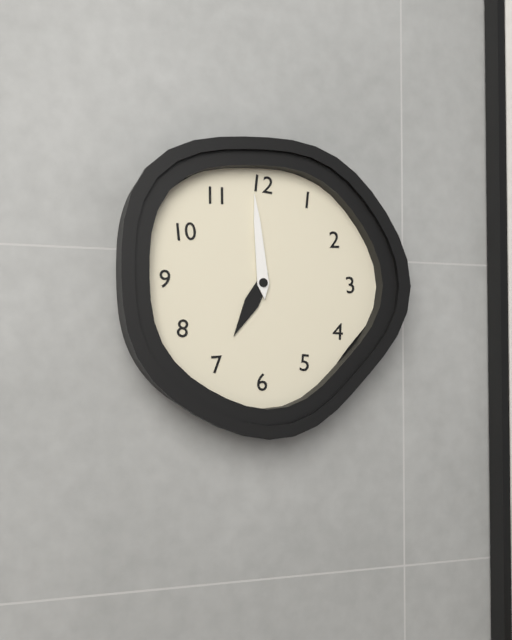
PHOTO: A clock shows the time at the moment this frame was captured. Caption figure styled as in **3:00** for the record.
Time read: **6:59**
